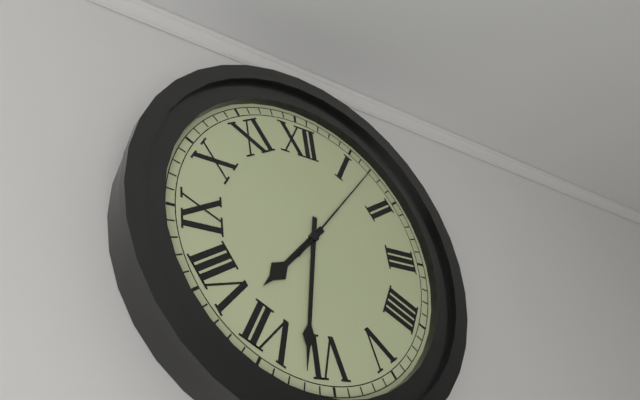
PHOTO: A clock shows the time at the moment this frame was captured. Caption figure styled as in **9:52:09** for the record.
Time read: **7:32:07**
